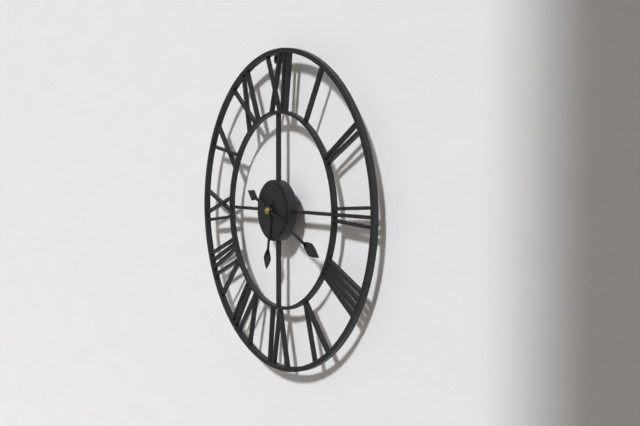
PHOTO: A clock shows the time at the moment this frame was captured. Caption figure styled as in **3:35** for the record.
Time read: **6:19**
